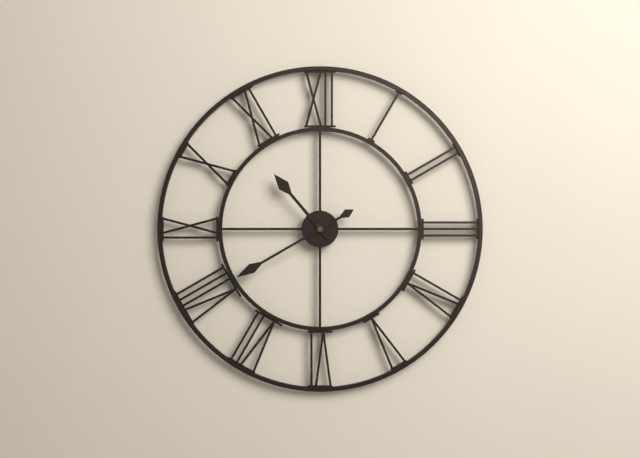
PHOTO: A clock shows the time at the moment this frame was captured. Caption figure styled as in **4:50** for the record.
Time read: **10:40**
